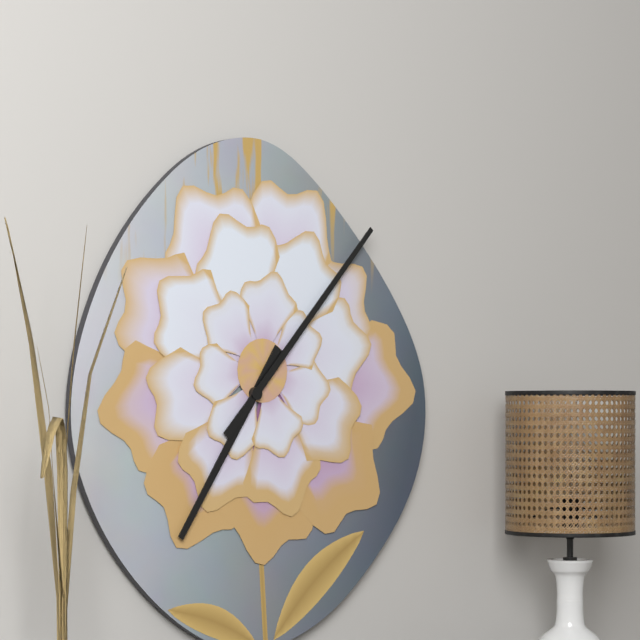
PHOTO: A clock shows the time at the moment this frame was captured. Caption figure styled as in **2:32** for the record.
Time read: **7:07**
